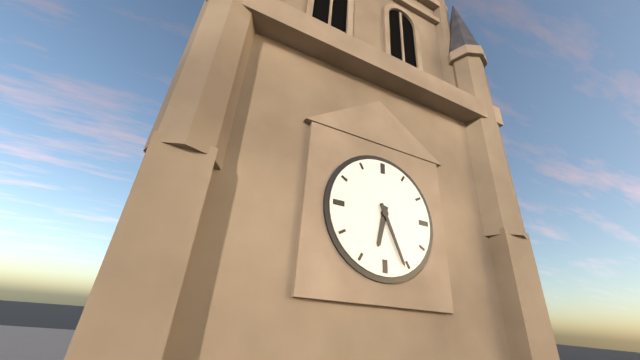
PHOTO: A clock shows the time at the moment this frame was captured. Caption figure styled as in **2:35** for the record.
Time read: **6:26**
